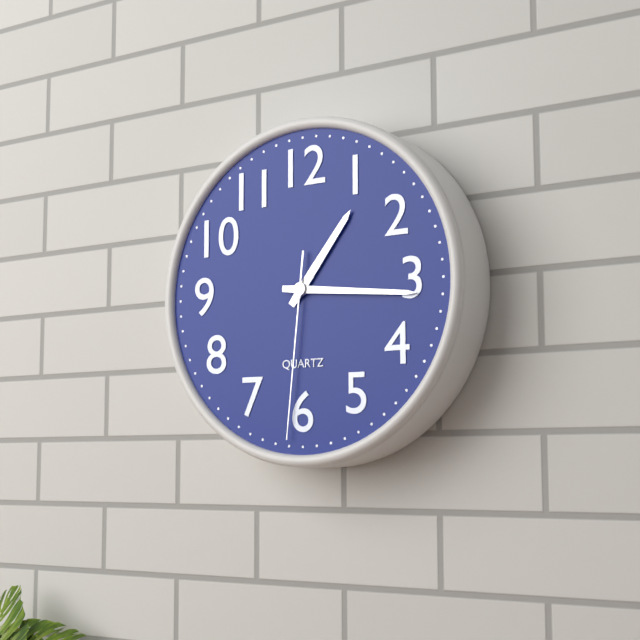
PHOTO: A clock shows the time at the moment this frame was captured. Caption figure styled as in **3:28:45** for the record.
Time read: **1:16:31**
